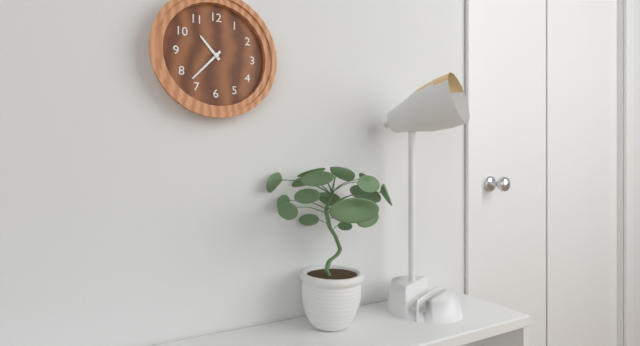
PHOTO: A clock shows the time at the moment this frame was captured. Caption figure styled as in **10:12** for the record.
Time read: **10:37**
